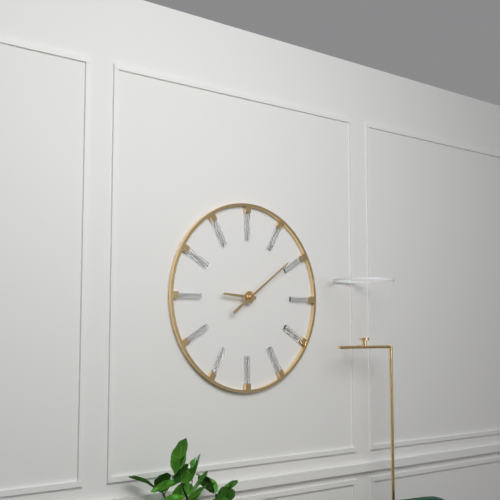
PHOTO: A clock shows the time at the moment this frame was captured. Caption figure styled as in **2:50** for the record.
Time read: **9:09**
